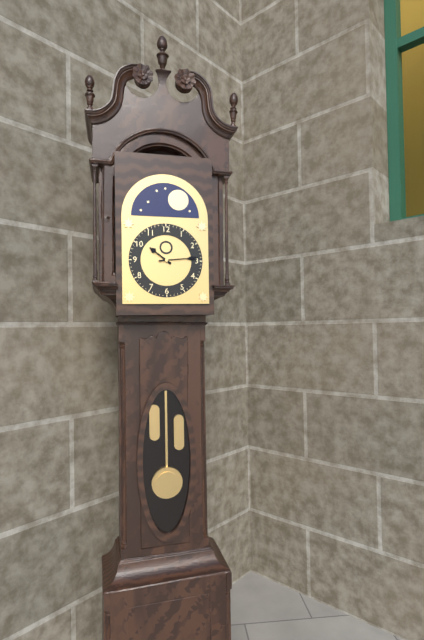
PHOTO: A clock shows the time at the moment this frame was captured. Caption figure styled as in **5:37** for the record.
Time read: **10:14**
